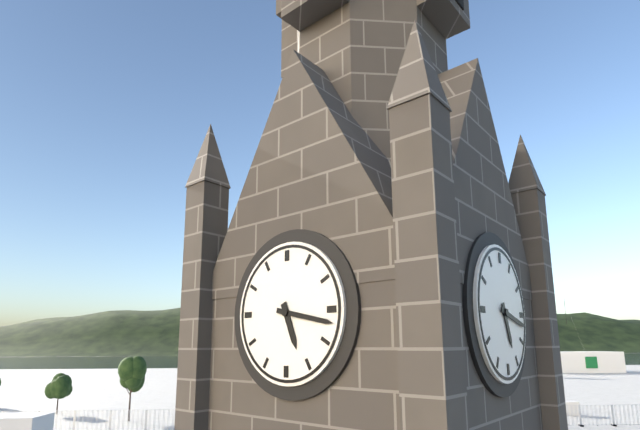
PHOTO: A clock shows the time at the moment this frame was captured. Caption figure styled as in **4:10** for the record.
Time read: **5:17**
